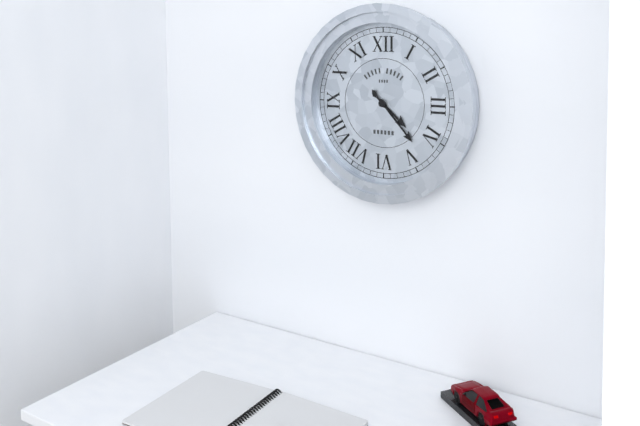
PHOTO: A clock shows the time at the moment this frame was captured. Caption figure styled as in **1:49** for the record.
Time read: **4:23**
